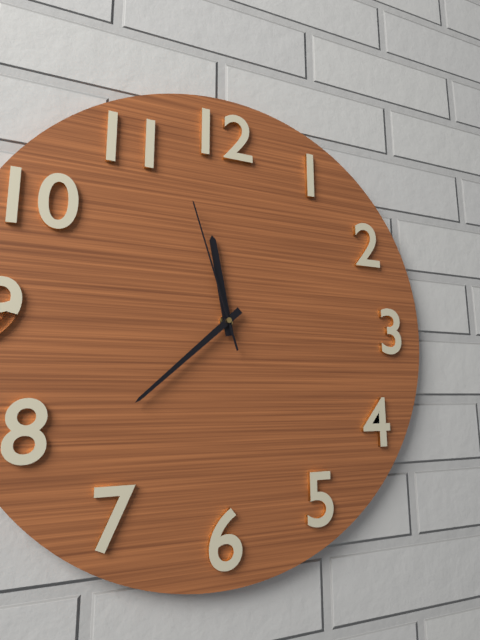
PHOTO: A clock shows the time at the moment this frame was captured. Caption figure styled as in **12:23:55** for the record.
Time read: **11:38:57**
